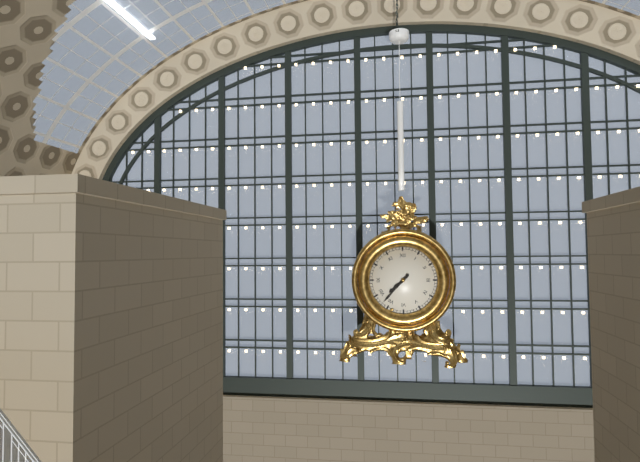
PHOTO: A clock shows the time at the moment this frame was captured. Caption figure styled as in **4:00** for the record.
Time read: **7:37**
